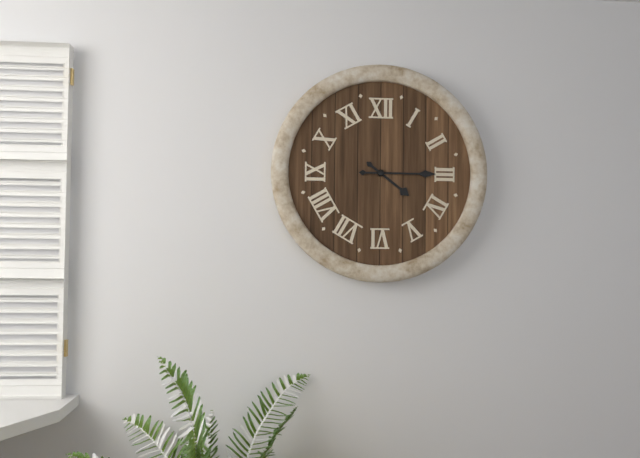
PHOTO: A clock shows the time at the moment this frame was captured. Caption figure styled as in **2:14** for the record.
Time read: **4:15**
